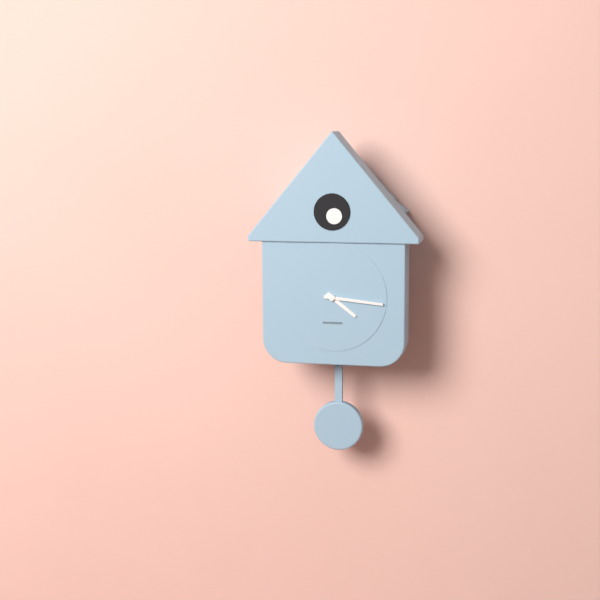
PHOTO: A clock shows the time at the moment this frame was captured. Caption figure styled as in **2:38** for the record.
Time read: **4:16**
